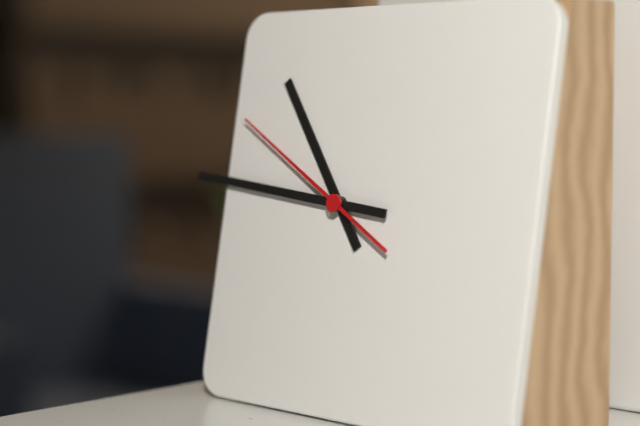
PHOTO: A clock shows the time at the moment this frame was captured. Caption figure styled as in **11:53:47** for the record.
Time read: **10:46:50**
